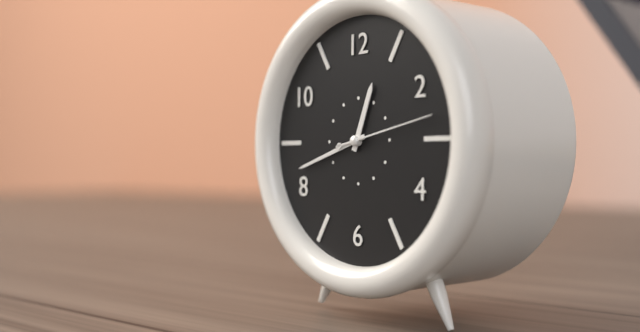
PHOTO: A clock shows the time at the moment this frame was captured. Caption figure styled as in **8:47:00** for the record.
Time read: **12:42:13**
